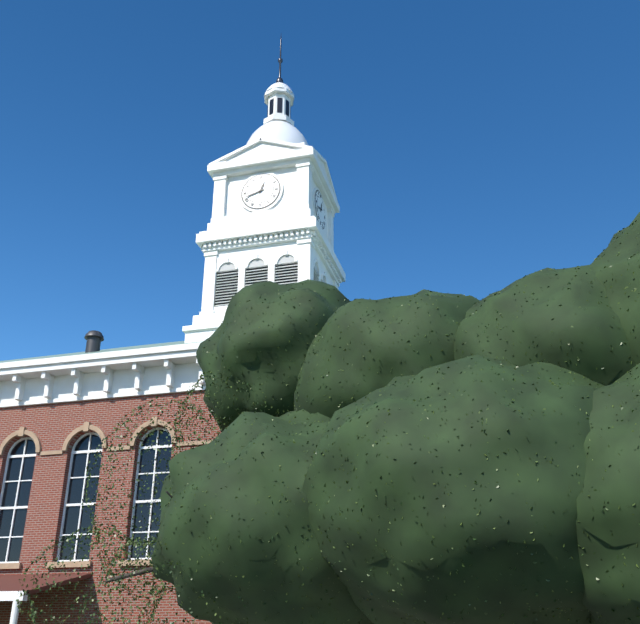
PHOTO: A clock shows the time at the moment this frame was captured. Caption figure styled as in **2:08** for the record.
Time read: **12:42**
